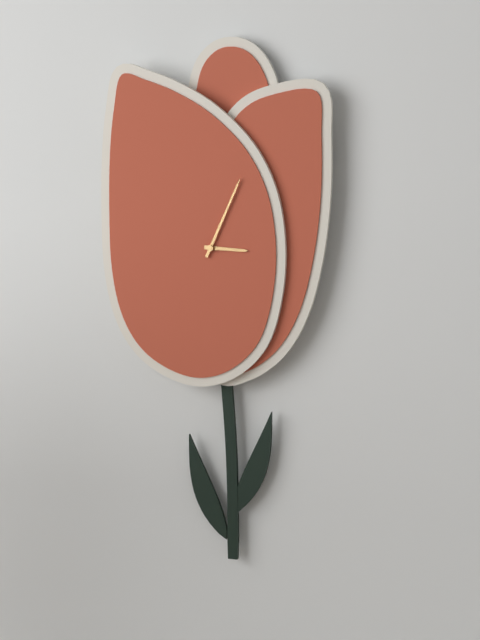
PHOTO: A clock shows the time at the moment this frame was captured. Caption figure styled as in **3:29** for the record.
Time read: **3:04**
